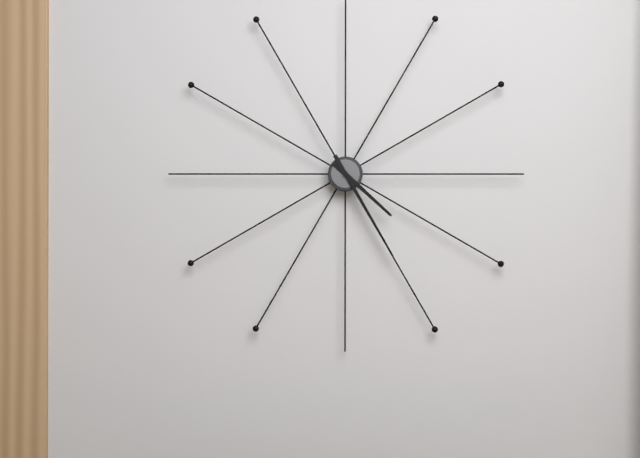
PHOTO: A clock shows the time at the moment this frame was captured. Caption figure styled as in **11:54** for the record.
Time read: **4:25**
